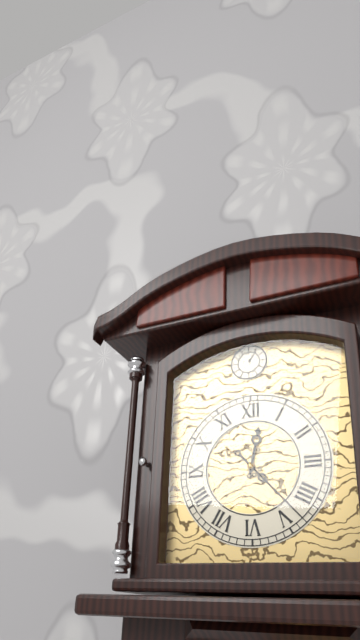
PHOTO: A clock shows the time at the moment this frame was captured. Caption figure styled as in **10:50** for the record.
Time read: **12:23**
